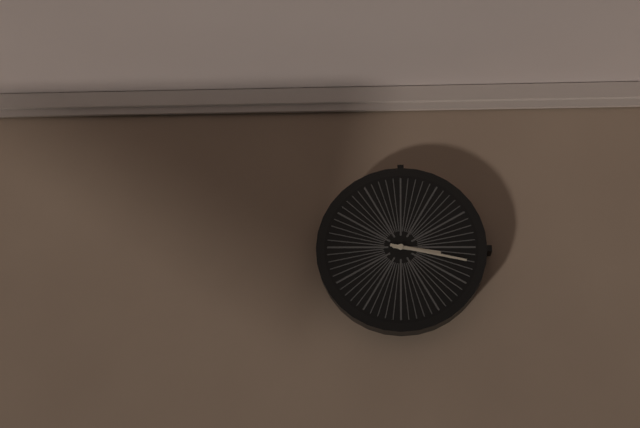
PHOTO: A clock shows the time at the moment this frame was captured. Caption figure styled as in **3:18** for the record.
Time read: **3:17**
